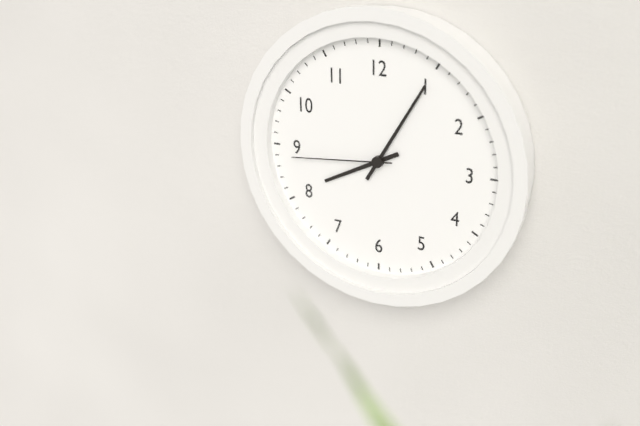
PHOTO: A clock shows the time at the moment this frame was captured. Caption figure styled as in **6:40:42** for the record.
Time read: **8:05:44**
